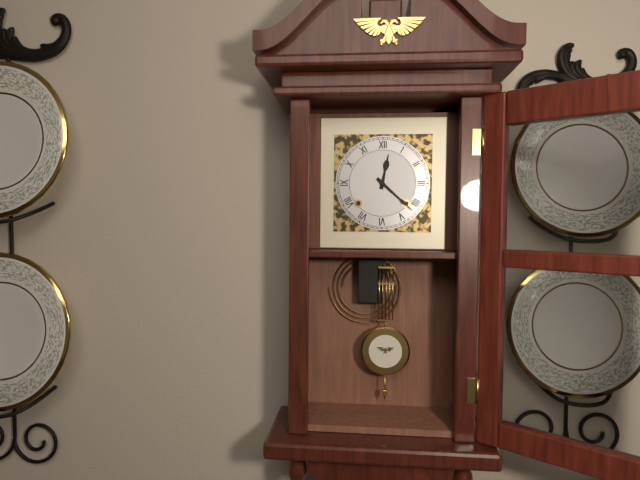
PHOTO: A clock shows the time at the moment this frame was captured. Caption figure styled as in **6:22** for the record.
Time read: **12:22**
